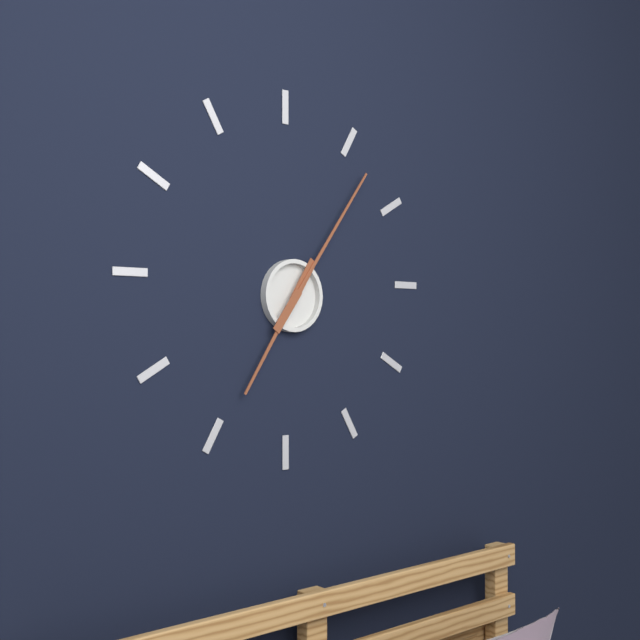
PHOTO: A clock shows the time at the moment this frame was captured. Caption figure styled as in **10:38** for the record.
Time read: **7:06**
